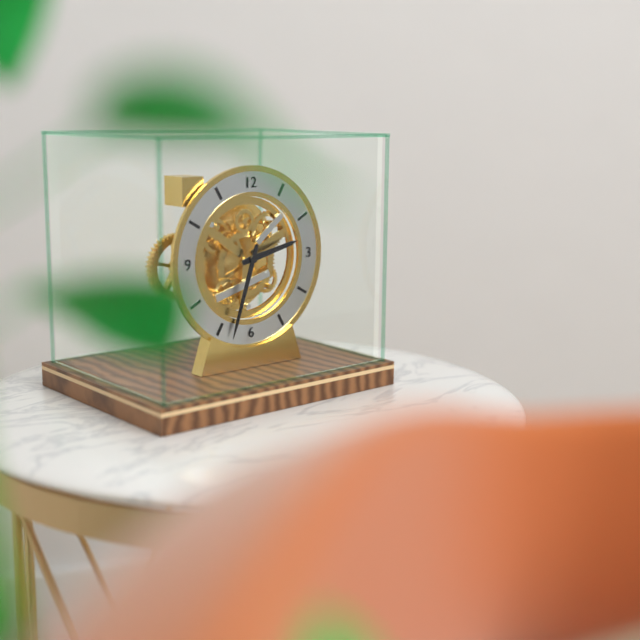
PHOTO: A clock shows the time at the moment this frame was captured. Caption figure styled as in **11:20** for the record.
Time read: **2:33**
